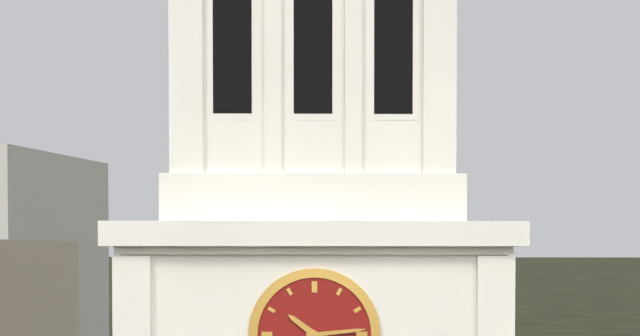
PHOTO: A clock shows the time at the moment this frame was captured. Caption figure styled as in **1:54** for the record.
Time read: **10:14**
